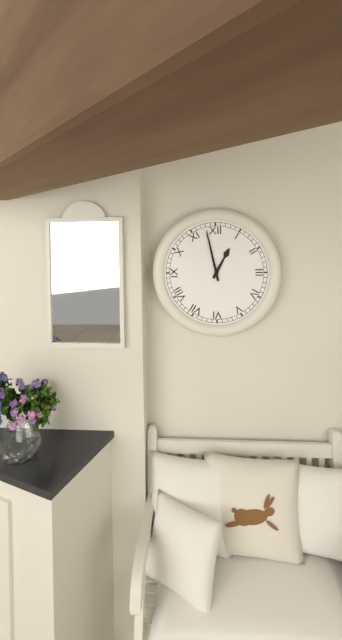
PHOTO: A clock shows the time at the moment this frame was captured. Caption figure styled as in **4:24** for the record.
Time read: **12:58**
